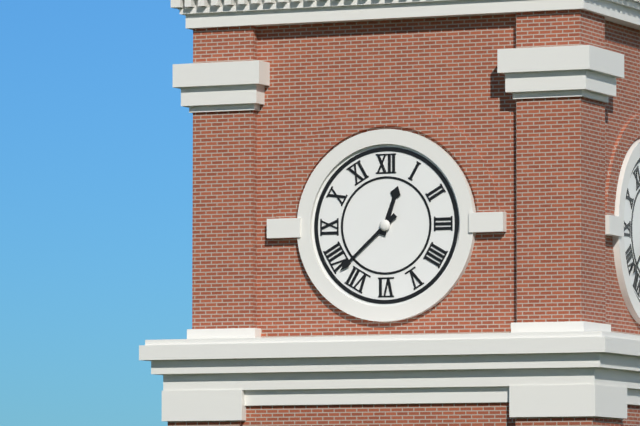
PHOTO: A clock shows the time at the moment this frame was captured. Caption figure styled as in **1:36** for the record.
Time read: **12:38**
